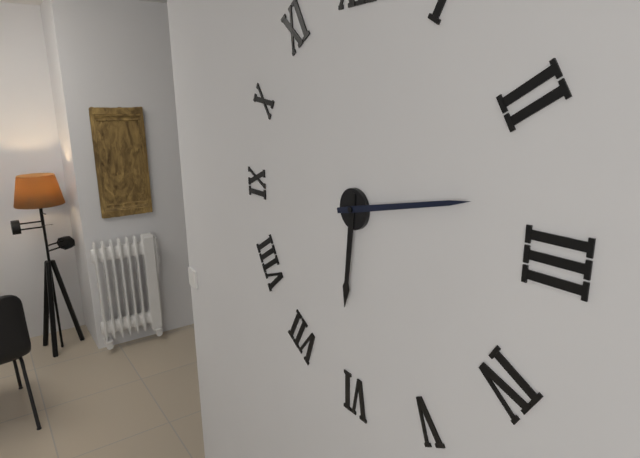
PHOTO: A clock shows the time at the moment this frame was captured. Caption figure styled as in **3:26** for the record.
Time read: **6:13**
